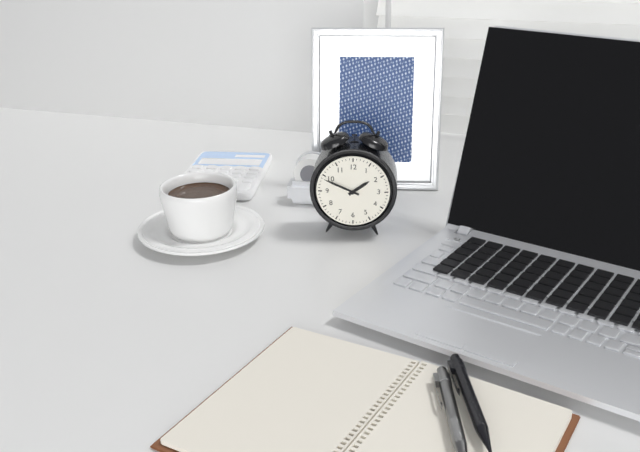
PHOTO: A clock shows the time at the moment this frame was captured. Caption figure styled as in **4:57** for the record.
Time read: **1:49**
